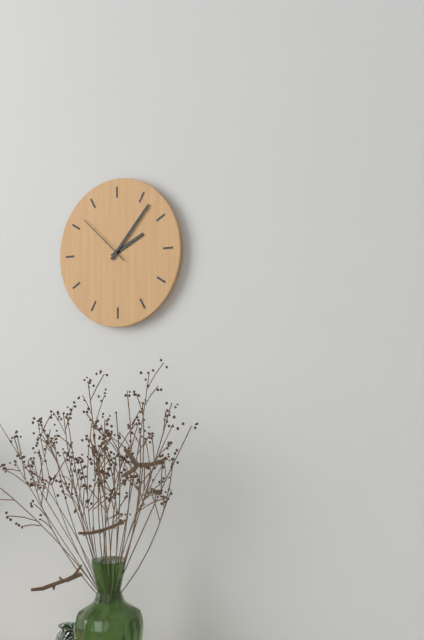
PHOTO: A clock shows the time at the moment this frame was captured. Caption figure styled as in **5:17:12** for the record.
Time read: **2:07:52**
